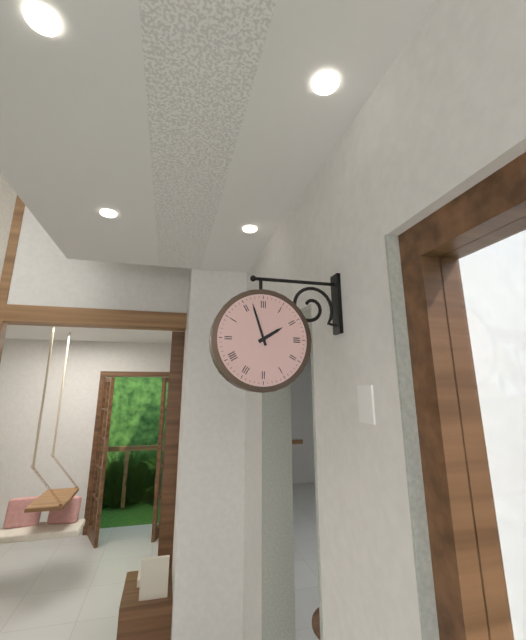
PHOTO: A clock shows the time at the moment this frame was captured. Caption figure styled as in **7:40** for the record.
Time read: **1:57**
